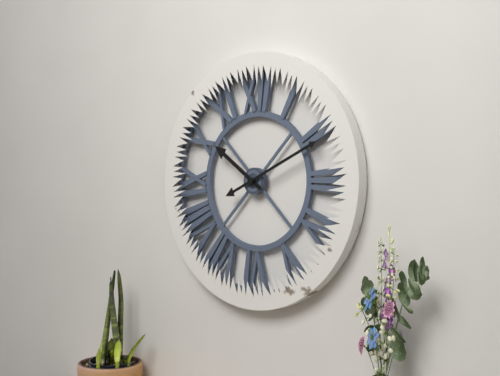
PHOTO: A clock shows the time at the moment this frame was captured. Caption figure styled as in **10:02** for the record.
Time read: **10:11**
